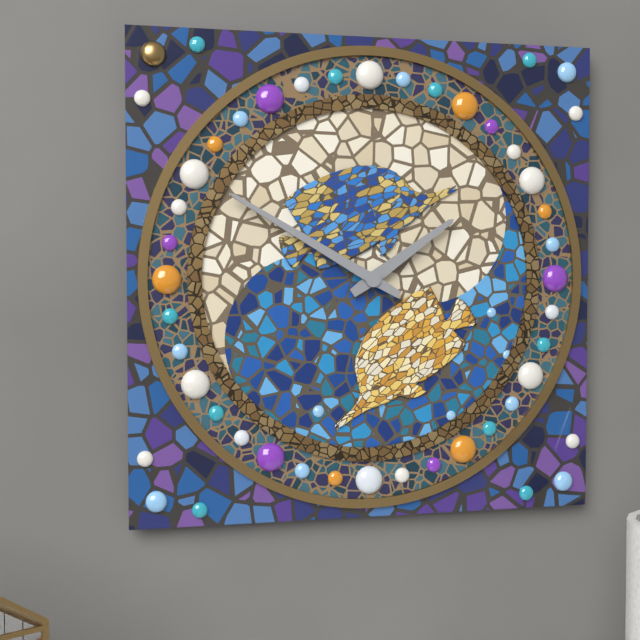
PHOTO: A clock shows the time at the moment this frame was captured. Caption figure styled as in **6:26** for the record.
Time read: **1:50**
